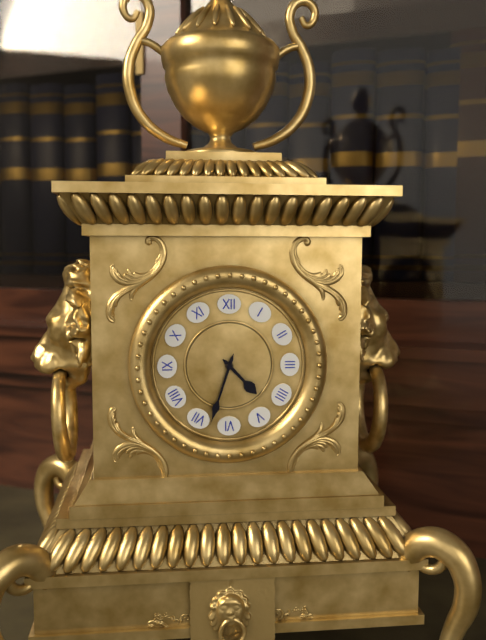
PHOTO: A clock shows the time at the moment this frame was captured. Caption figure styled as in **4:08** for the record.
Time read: **4:33**
